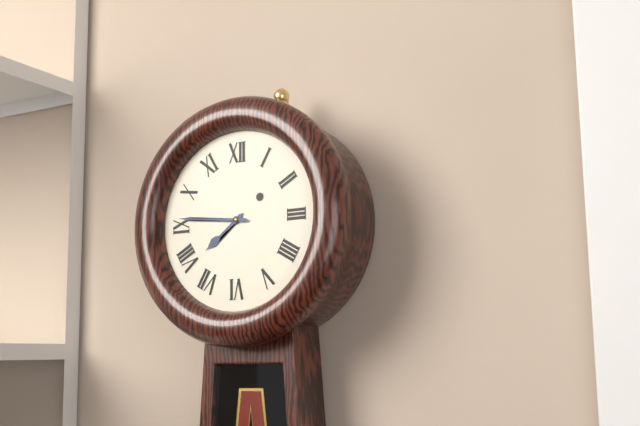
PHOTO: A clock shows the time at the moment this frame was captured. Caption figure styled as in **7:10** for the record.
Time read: **7:46**
